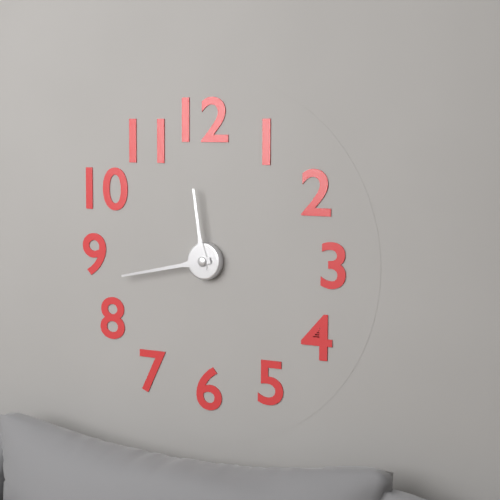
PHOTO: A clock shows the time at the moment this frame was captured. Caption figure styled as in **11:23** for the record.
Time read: **11:43**
